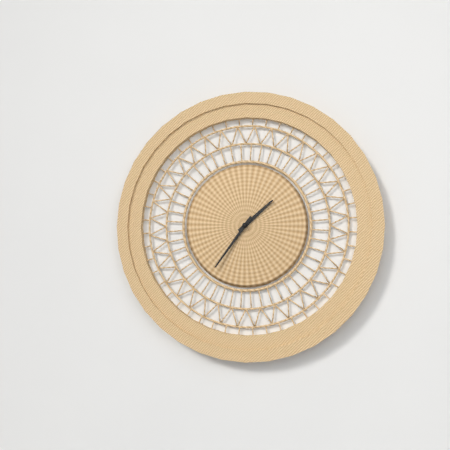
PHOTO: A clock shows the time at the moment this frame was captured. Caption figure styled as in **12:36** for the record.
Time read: **1:36**
